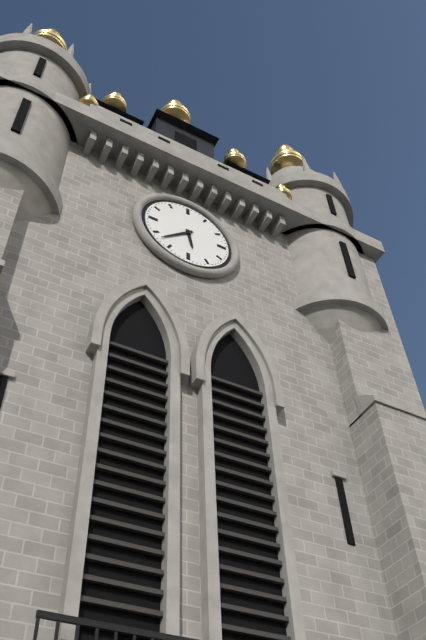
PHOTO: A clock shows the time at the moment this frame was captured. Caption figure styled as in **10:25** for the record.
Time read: **5:38**
